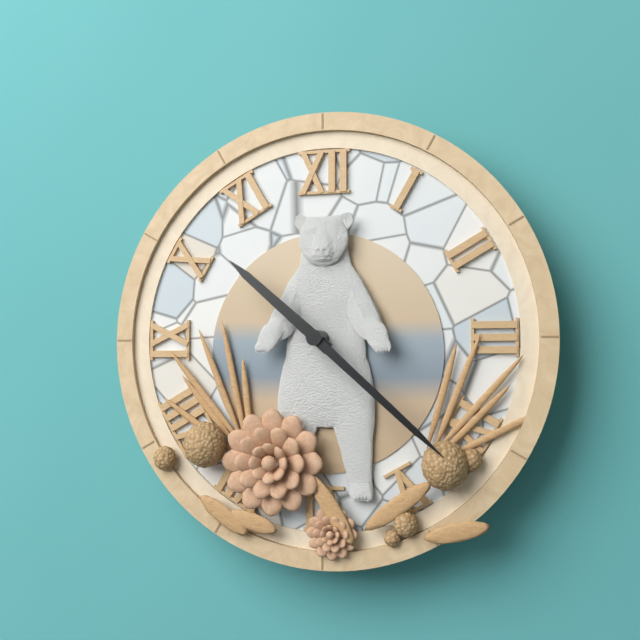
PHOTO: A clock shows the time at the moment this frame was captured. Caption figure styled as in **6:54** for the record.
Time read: **10:22**
